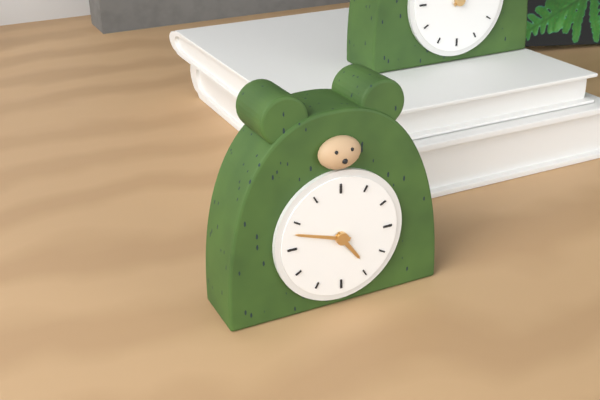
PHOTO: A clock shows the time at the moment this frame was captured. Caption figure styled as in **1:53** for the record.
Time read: **4:48**
